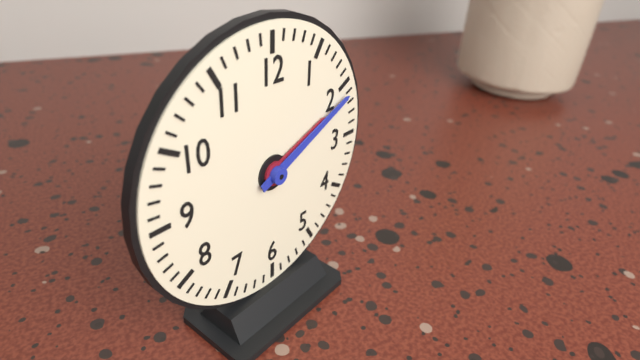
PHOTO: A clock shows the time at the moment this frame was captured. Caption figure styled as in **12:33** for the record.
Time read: **2:11**
